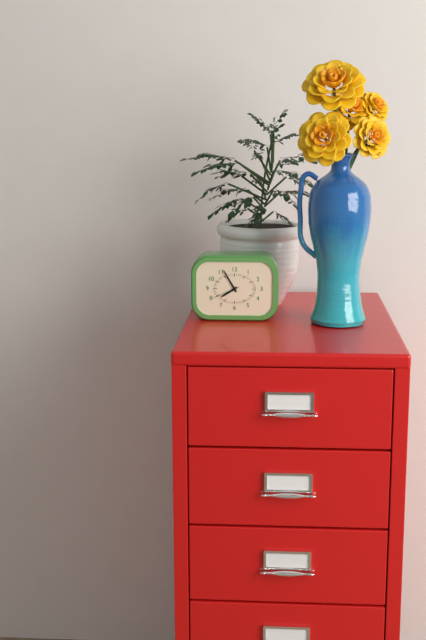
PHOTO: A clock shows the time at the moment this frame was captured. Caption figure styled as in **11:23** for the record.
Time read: **7:55**
